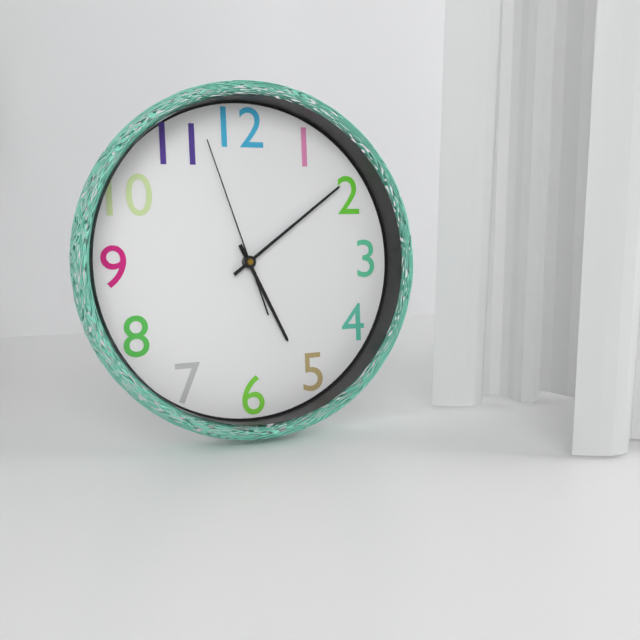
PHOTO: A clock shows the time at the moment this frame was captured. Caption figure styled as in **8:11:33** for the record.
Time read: **5:09:57**
